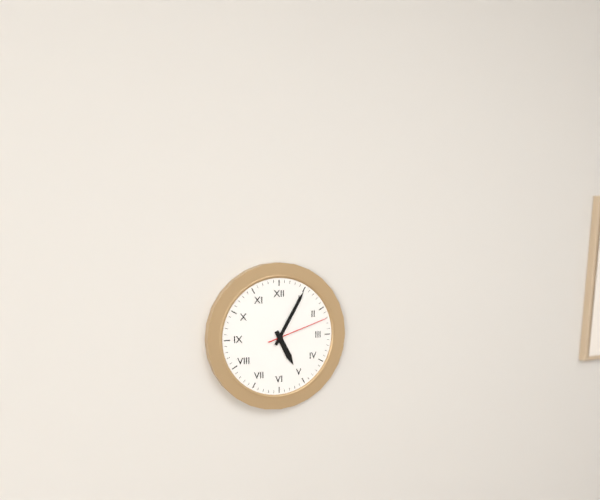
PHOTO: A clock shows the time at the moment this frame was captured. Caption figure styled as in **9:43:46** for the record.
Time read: **5:05:12**
